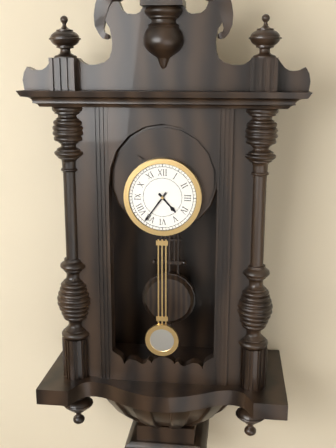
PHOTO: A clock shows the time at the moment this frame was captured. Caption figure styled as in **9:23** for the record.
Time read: **4:36**
